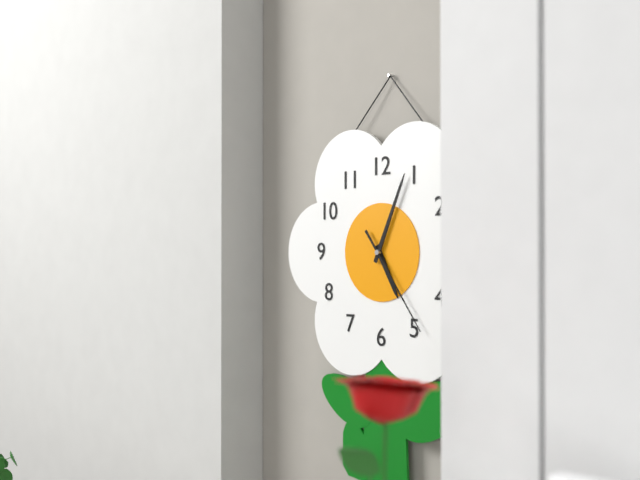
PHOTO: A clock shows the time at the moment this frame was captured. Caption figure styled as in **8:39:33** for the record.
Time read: **5:04:24**
